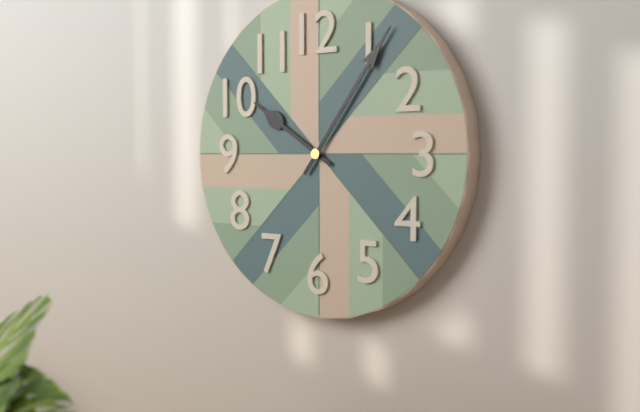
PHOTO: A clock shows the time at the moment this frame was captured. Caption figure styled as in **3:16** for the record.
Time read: **10:06**
